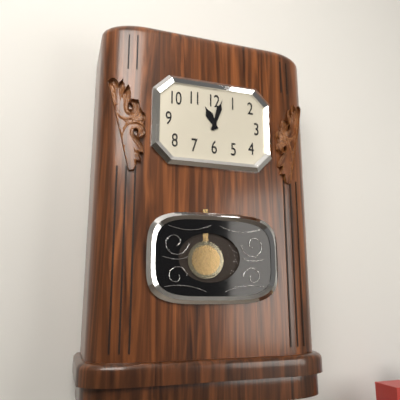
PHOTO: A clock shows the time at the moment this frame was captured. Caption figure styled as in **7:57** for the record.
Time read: **11:03**
